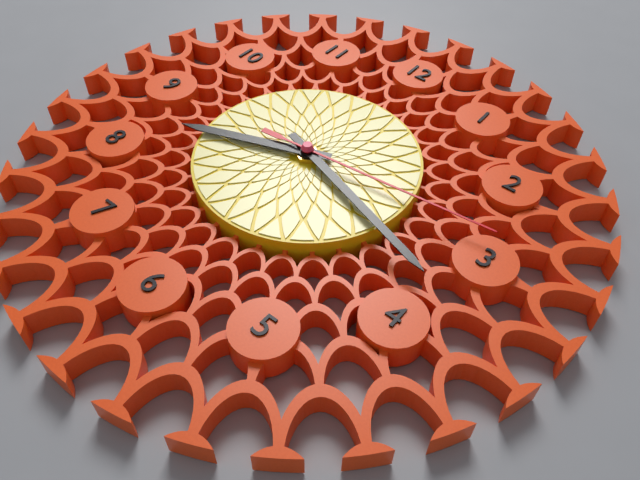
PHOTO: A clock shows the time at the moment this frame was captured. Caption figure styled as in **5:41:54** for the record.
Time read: **8:18:14**
